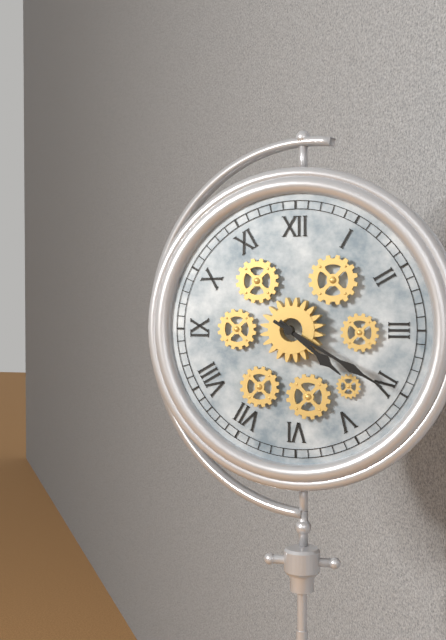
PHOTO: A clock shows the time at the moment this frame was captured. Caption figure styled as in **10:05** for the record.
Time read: **4:20**
